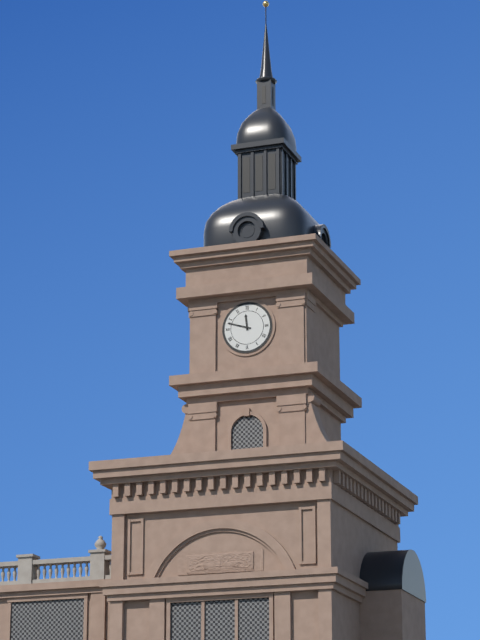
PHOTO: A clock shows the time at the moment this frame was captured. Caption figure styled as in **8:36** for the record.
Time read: **11:48**
